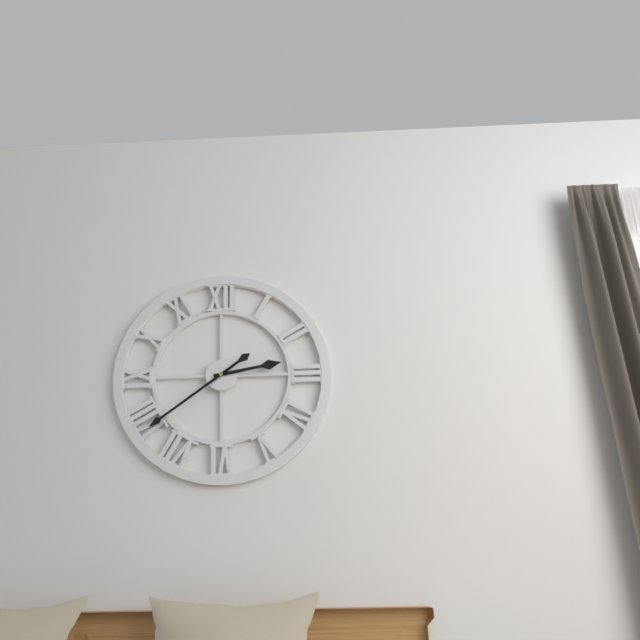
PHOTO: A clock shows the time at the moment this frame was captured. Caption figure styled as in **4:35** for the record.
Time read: **2:39**
